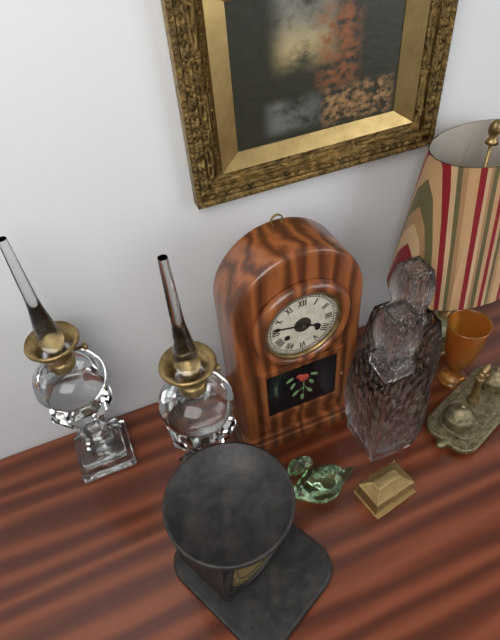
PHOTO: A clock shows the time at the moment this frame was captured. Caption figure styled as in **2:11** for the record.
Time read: **3:47**
